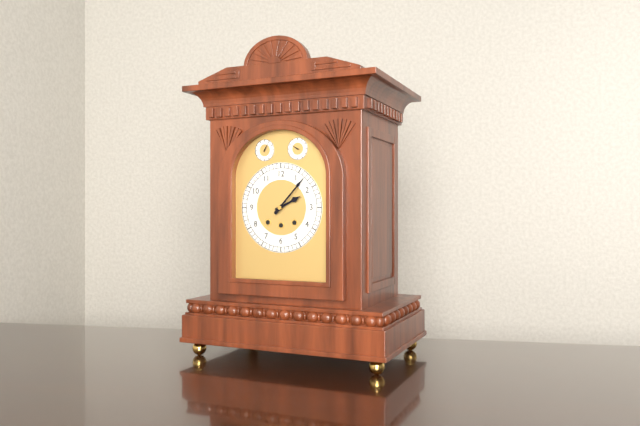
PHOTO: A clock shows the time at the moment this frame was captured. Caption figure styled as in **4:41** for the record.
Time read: **2:07**
